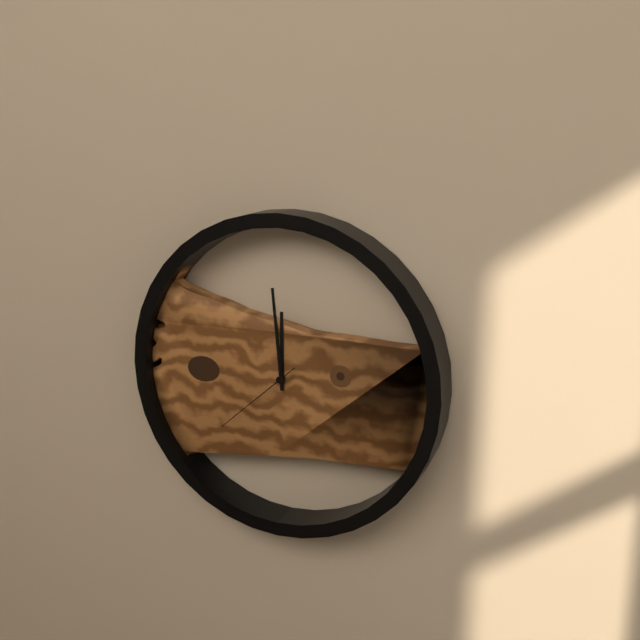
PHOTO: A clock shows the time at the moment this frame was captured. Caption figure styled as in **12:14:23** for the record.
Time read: **11:59:38**
